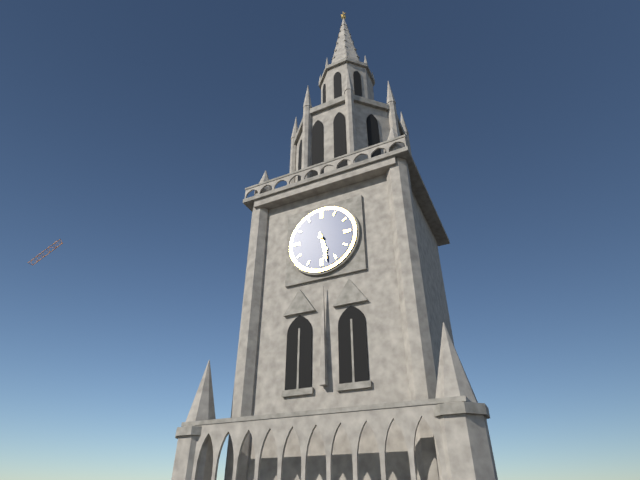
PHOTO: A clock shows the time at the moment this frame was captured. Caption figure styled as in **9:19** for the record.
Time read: **5:28**
